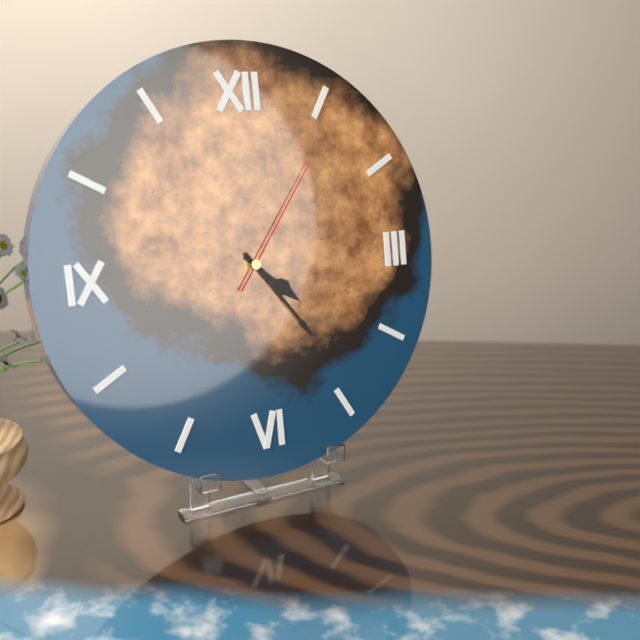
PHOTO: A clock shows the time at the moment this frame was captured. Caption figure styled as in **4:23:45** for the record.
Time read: **4:24:06**
